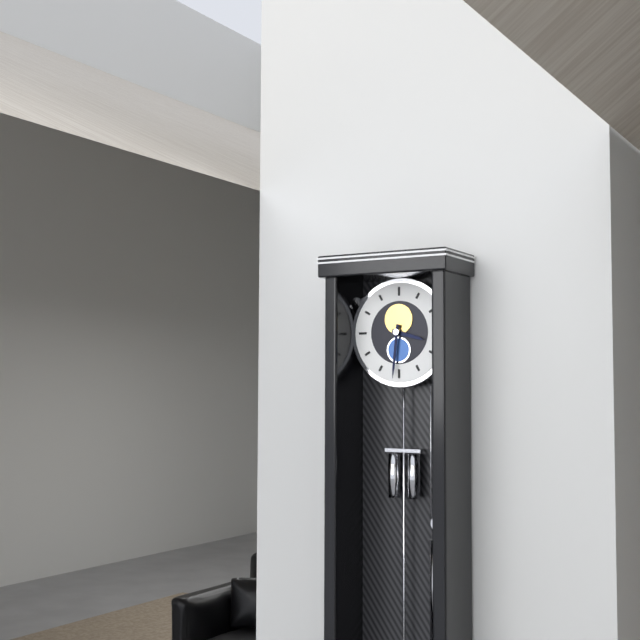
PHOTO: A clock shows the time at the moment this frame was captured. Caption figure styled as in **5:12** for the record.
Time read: **3:31**
